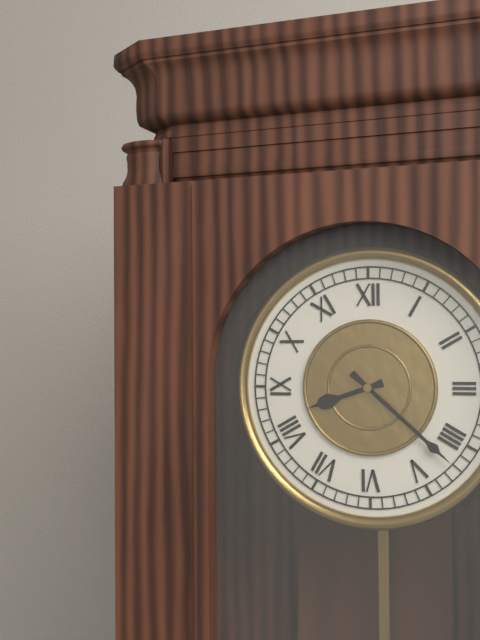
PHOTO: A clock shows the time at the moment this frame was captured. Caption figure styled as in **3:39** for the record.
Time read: **8:22**
